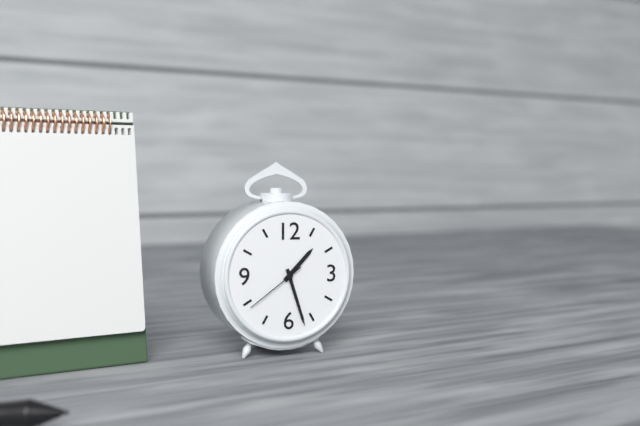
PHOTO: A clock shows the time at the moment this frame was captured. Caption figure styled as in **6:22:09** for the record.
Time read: **1:27:39**
